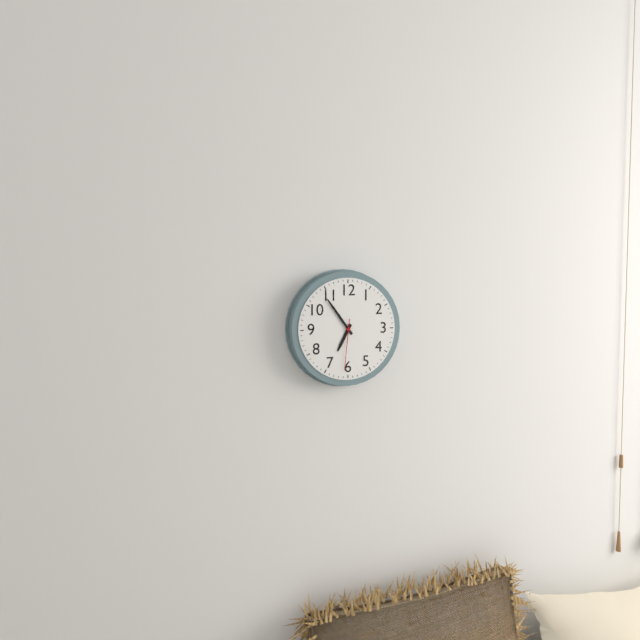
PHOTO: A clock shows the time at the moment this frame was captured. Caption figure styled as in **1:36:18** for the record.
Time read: **6:54:31**
